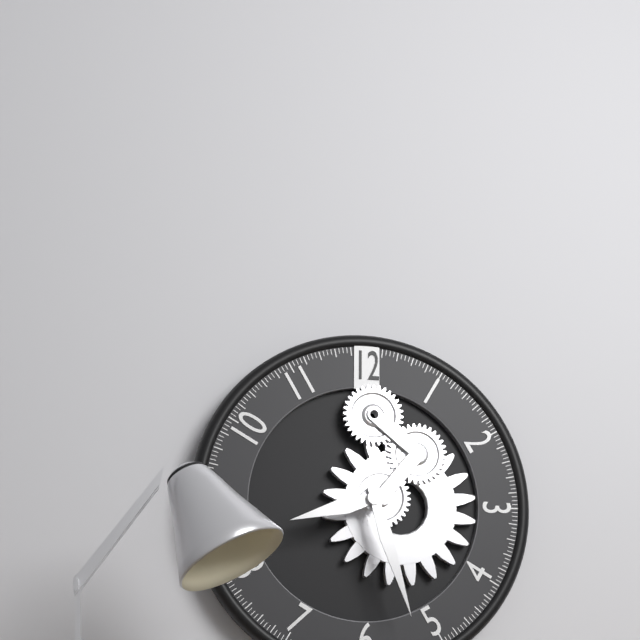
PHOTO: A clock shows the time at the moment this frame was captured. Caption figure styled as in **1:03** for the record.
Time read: **8:27**
